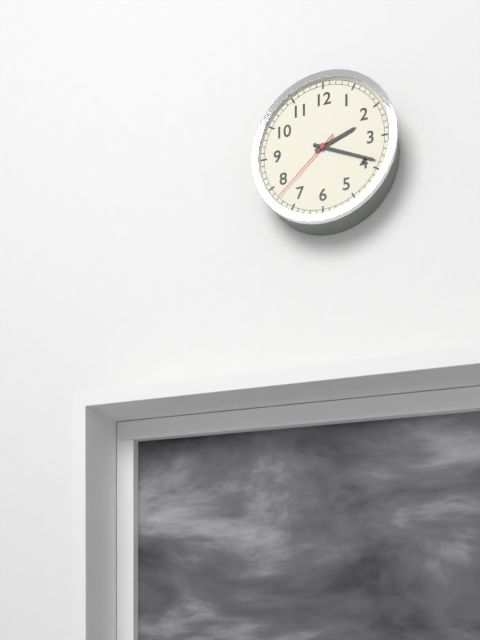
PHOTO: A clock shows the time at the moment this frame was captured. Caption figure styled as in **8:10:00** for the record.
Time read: **2:19:38**
